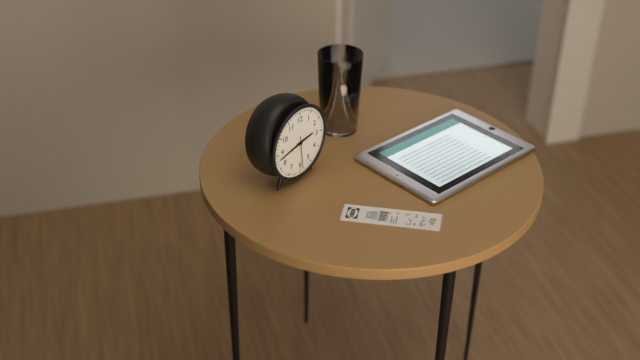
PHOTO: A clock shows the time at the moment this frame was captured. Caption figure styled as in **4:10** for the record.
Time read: **2:43**
